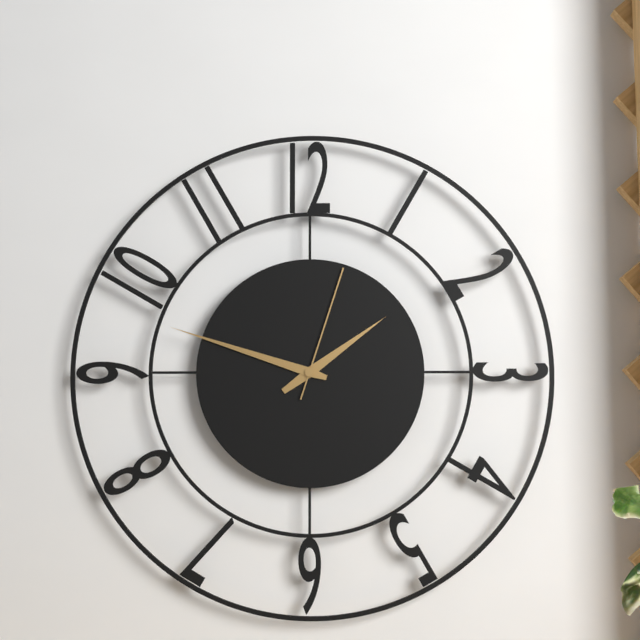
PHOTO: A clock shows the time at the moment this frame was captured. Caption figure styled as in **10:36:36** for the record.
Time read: **1:48:03**
